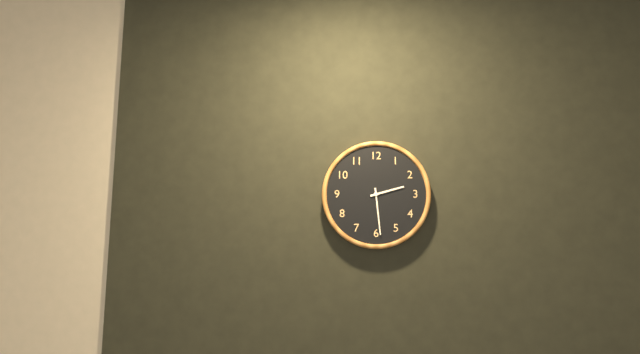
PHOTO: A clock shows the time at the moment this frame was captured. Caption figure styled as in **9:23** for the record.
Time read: **2:29**
